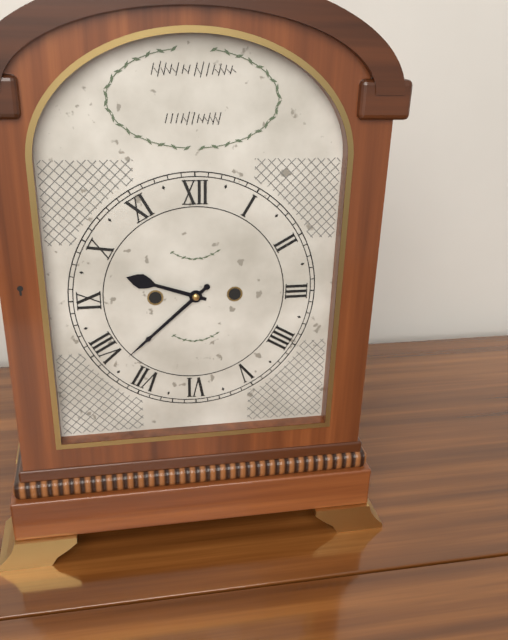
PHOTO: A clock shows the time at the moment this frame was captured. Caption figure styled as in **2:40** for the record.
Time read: **9:38**
